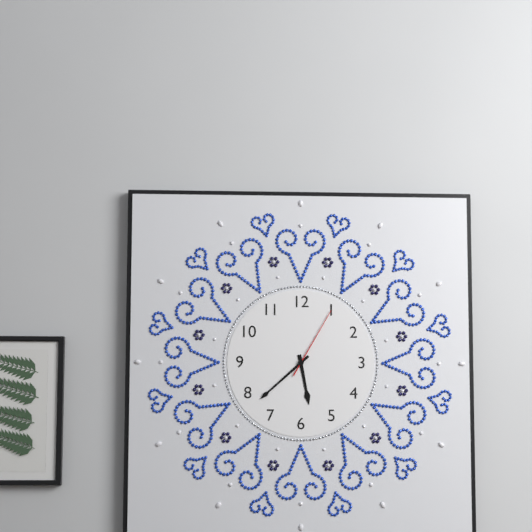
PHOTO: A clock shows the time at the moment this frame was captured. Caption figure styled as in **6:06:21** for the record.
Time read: **5:38:05**
